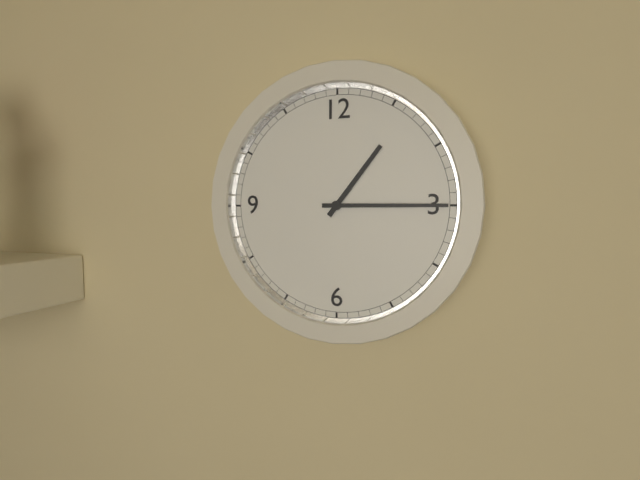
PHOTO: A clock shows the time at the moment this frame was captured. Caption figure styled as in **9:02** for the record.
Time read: **1:15**
